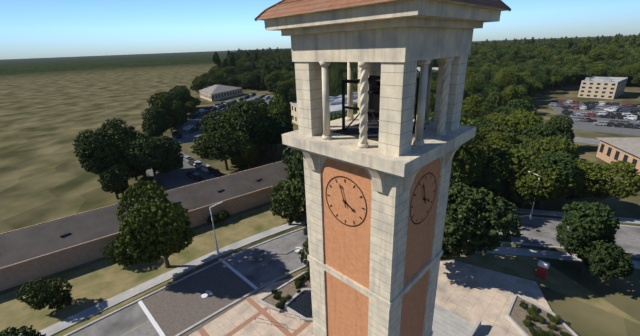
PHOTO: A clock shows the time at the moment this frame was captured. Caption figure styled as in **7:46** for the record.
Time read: **3:57**
